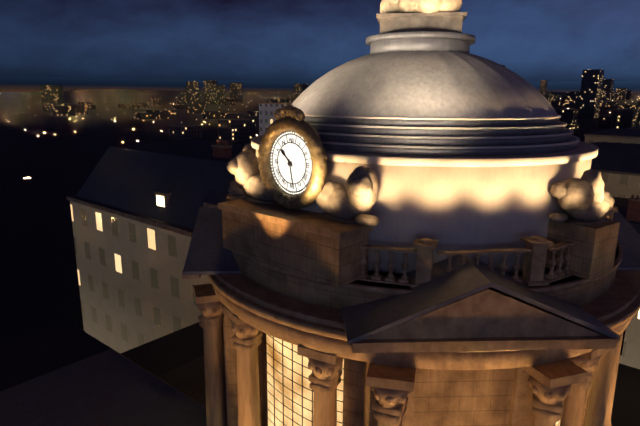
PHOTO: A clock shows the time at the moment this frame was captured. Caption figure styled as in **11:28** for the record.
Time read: **10:28**
